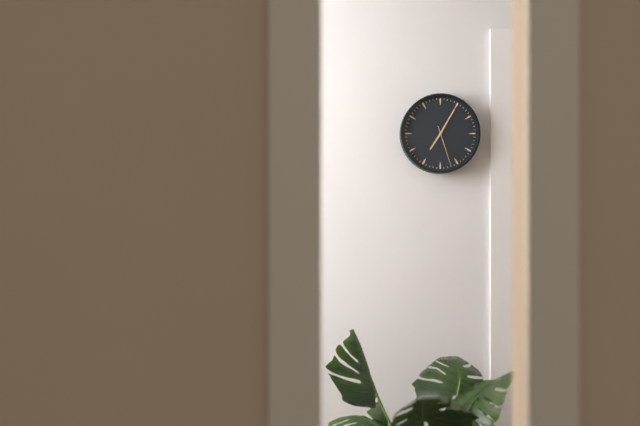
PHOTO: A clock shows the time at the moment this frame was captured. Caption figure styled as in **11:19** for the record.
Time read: **7:05**
